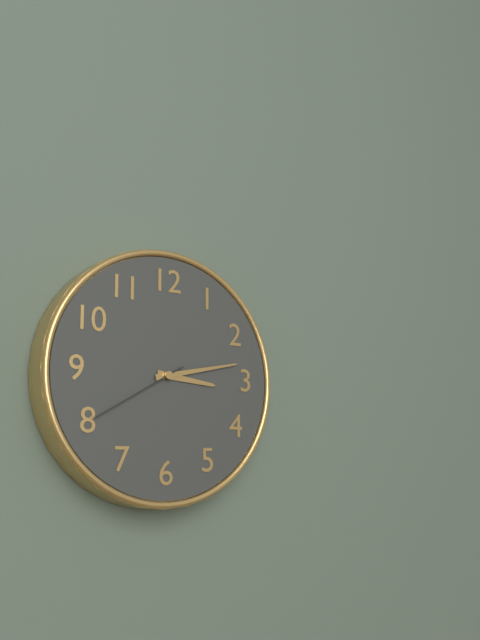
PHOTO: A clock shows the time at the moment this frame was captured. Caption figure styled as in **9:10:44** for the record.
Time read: **3:13:40**
